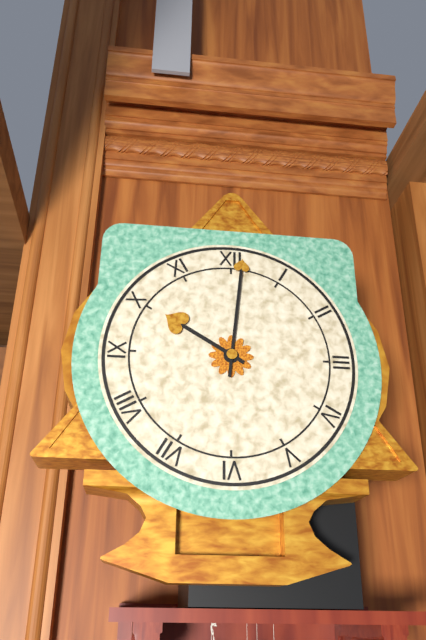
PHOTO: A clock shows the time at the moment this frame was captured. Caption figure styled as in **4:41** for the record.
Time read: **10:01**
